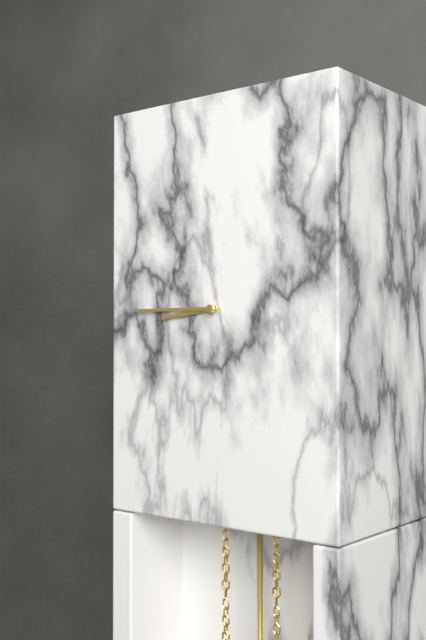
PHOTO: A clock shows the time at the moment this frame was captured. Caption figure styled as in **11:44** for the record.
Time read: **8:45**
